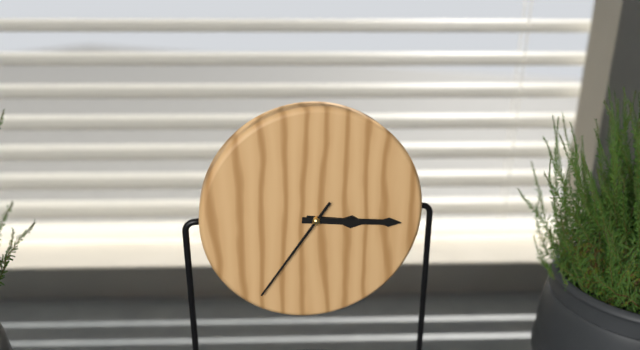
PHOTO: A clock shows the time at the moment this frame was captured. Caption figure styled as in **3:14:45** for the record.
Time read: **3:16:36**
